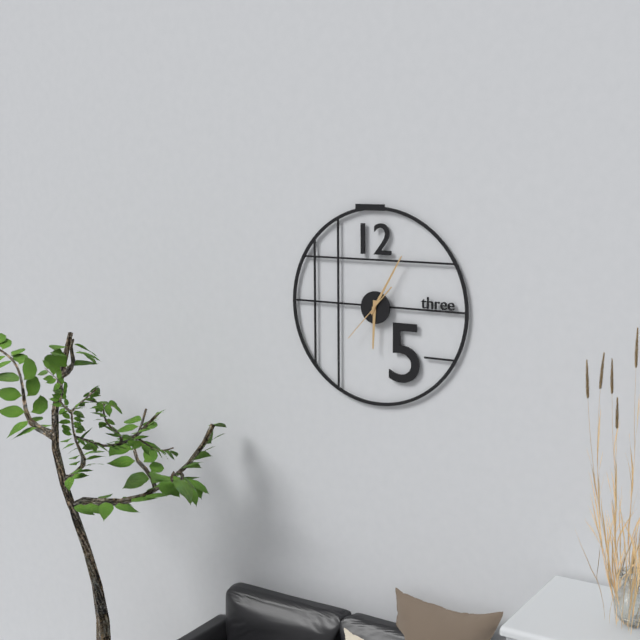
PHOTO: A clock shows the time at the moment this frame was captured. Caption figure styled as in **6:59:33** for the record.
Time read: **6:05:37**
